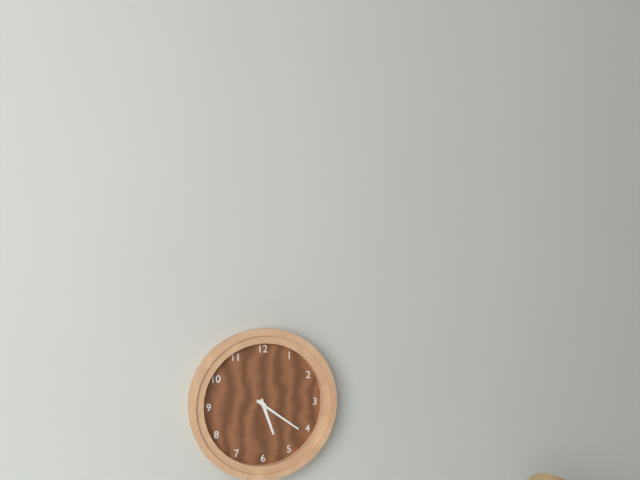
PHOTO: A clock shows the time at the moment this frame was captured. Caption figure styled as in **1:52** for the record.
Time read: **5:21**
